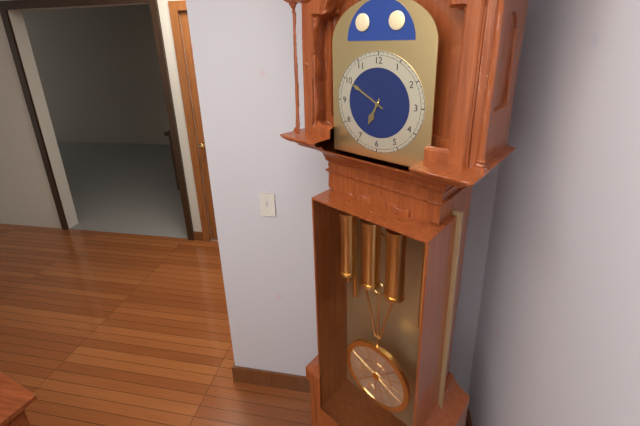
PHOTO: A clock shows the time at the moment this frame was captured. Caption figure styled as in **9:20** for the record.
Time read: **6:50**
